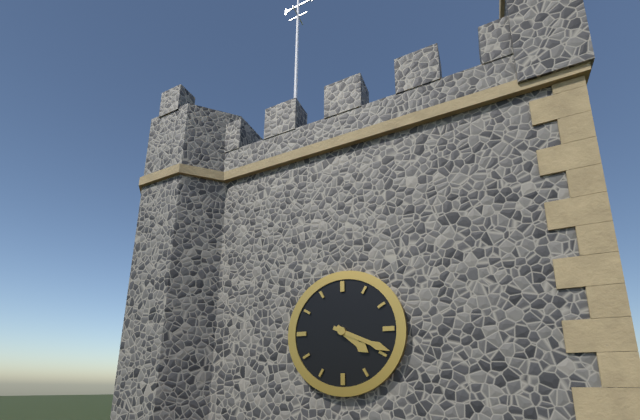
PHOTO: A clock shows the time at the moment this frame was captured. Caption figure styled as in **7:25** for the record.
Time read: **4:19**
